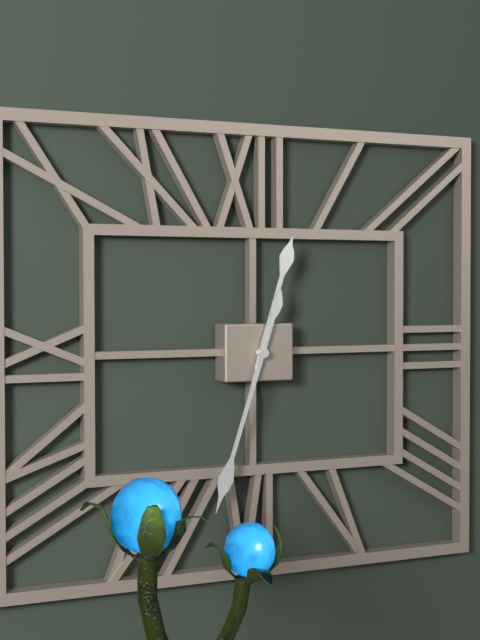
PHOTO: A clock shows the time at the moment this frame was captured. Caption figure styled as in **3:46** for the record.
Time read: **12:33**
